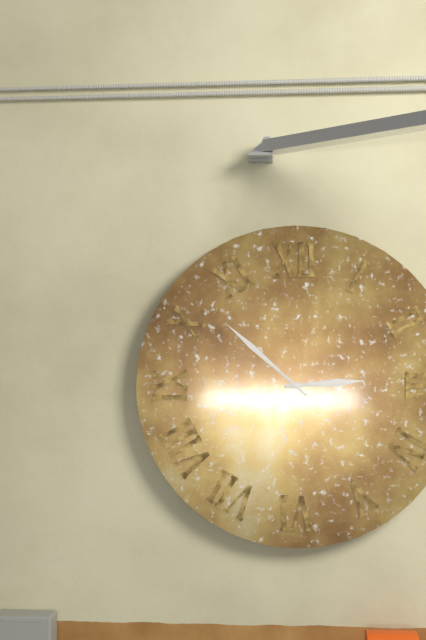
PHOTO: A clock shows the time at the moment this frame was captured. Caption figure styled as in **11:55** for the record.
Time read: **2:52**
